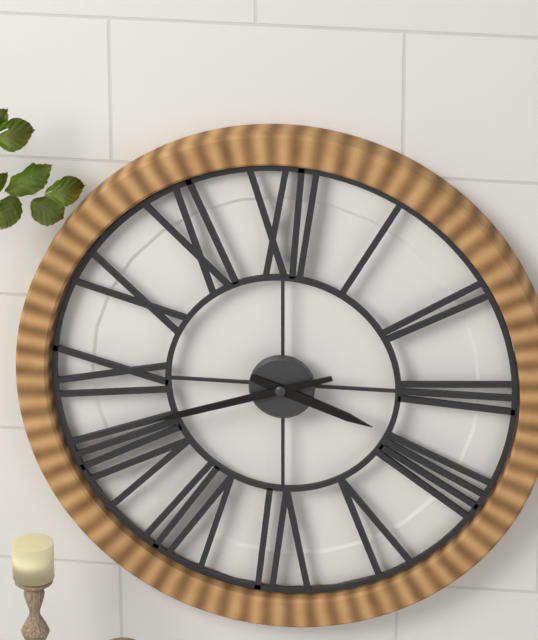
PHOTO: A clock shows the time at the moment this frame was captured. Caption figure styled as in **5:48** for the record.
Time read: **3:42**
